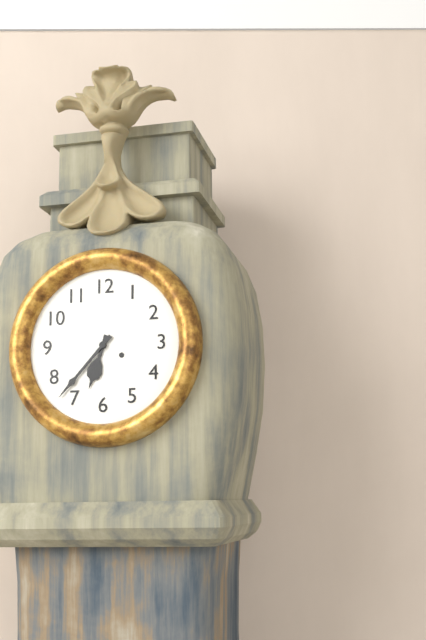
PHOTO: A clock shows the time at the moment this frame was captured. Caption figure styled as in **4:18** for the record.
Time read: **6:37**
